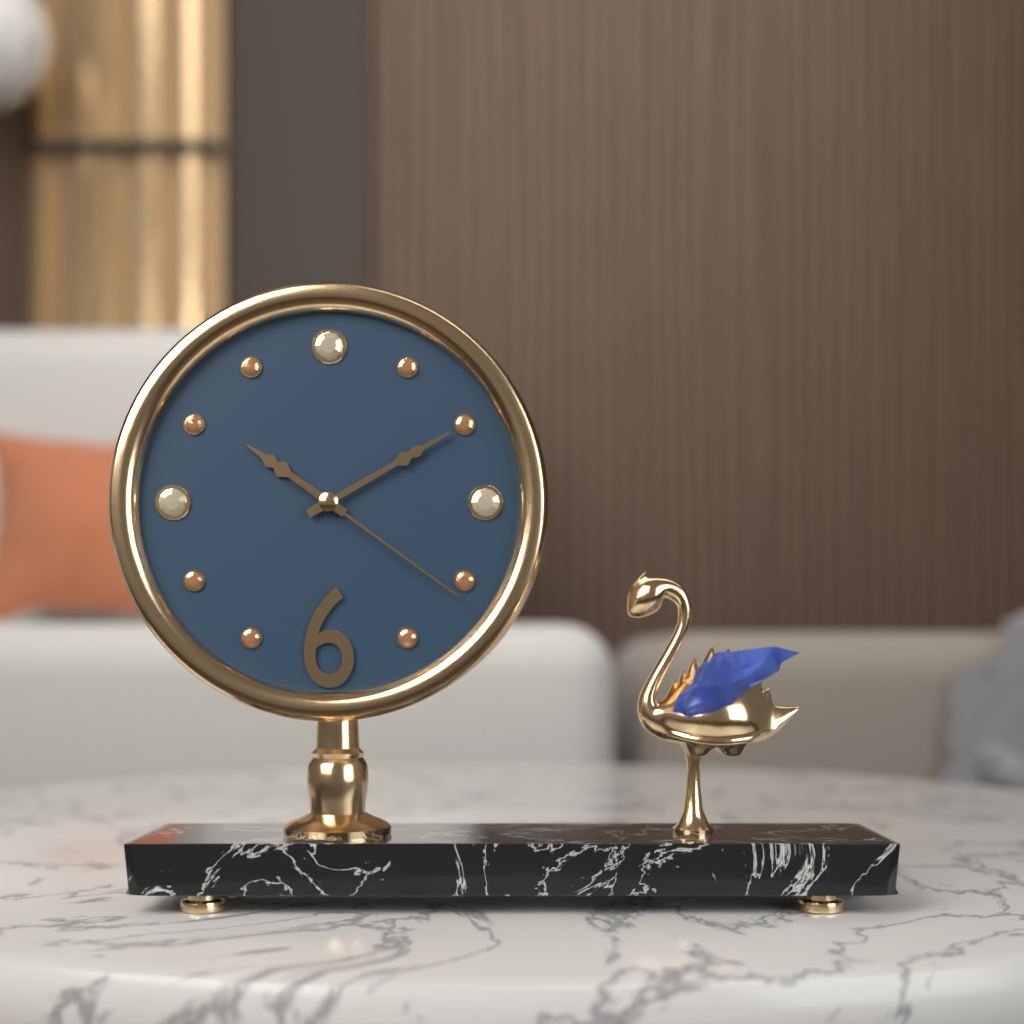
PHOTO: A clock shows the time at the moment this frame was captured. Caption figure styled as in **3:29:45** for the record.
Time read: **10:10:21**
